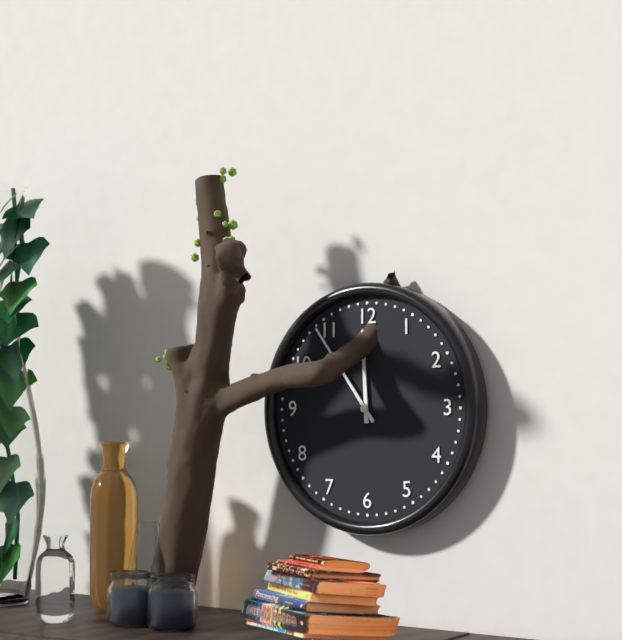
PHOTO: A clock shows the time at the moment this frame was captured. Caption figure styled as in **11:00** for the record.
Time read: **11:54**
